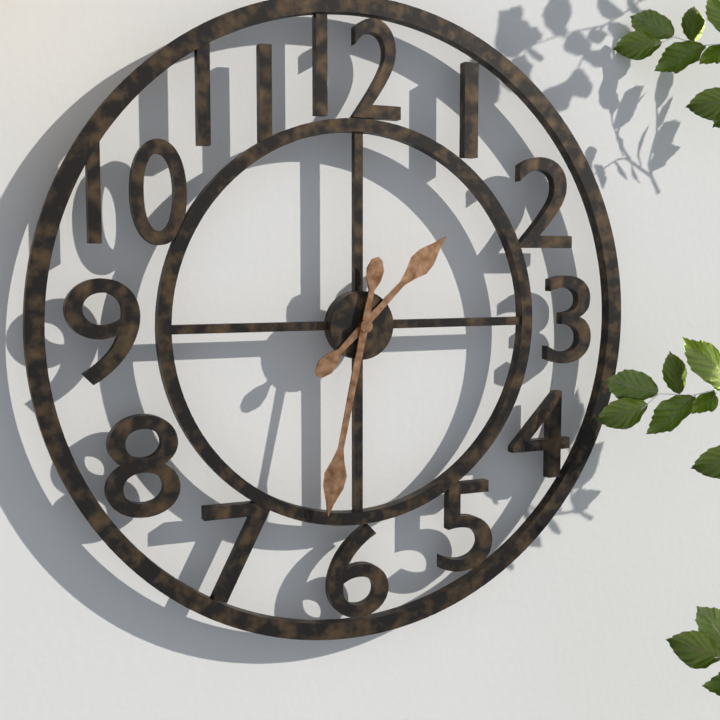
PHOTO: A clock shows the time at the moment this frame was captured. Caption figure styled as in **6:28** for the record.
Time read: **1:32**
